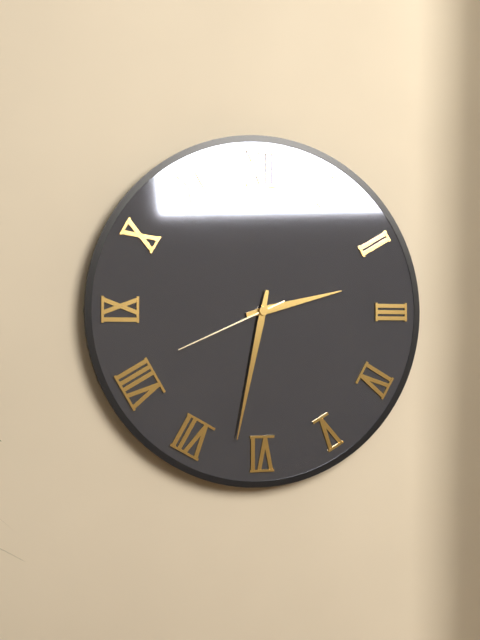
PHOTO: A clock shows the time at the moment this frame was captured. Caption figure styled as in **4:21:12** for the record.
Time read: **2:32:41**
